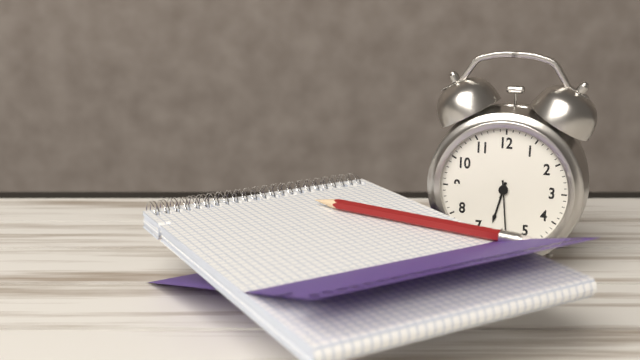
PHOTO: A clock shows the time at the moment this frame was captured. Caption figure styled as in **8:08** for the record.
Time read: **6:29**
